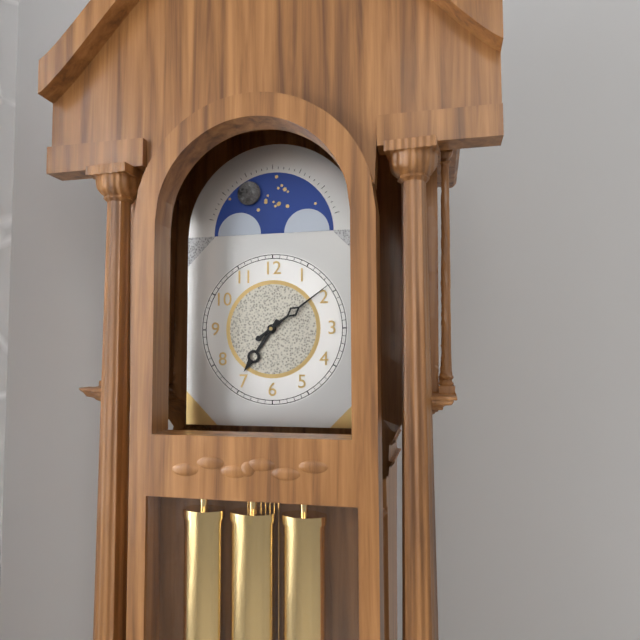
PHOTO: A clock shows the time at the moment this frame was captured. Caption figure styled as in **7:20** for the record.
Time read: **7:09**
